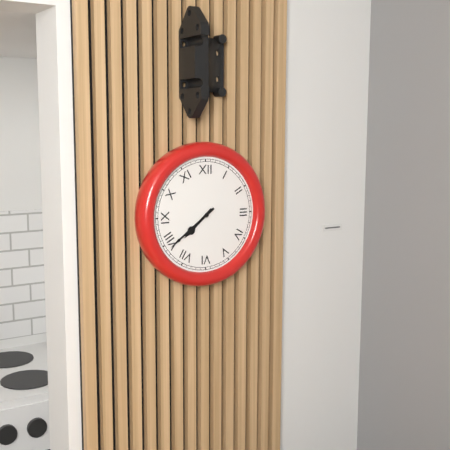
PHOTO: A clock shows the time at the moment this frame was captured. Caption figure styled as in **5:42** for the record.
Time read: **7:39**
